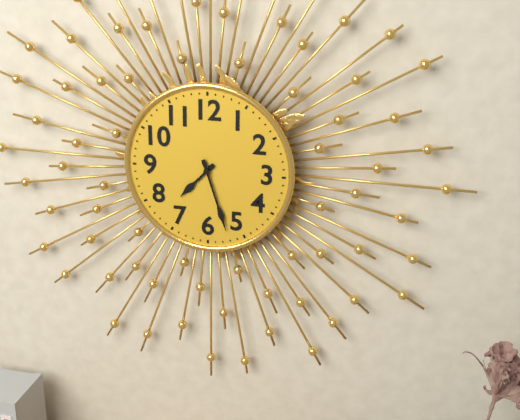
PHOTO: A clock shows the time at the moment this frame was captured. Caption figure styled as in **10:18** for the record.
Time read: **7:27**
